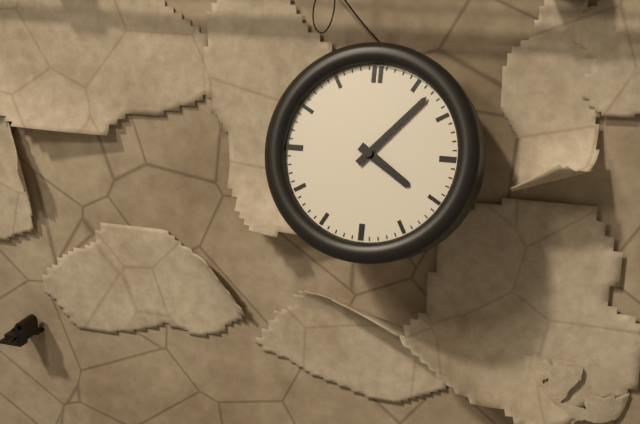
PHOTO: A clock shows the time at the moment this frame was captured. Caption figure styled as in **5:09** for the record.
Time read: **4:07**
